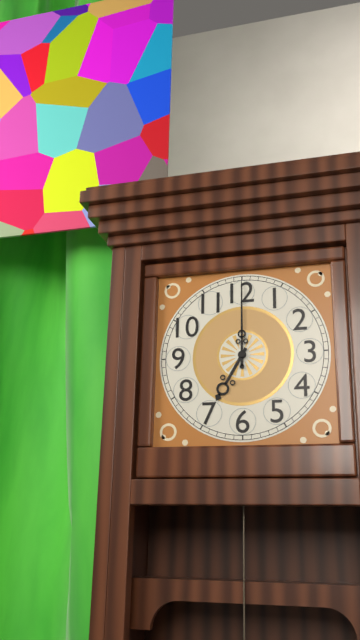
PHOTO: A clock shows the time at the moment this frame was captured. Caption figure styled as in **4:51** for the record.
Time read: **7:00**
